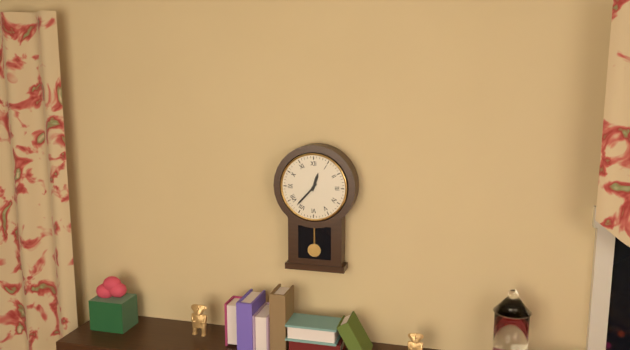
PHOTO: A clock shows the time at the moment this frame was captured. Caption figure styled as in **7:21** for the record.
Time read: **12:37**
